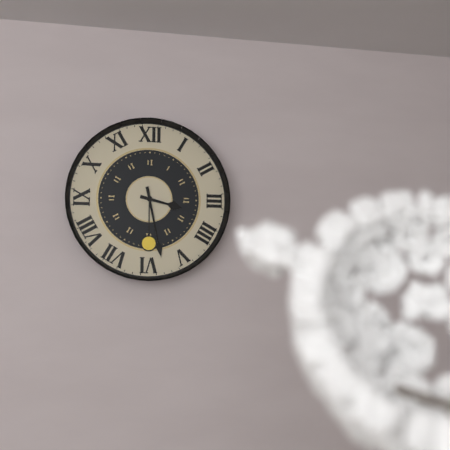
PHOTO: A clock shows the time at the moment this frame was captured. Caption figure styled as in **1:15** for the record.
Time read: **3:28**
